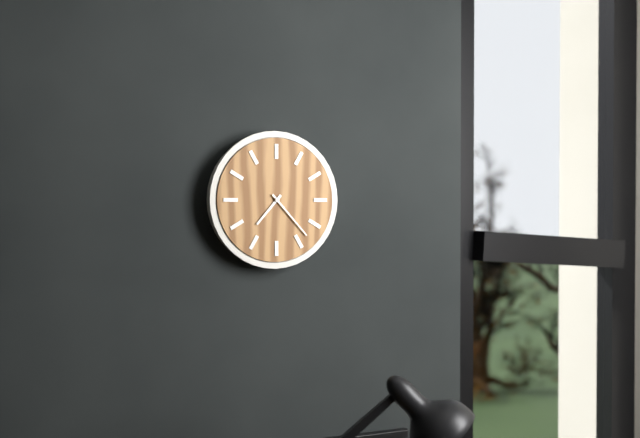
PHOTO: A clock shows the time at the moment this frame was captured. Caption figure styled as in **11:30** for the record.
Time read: **7:23**
